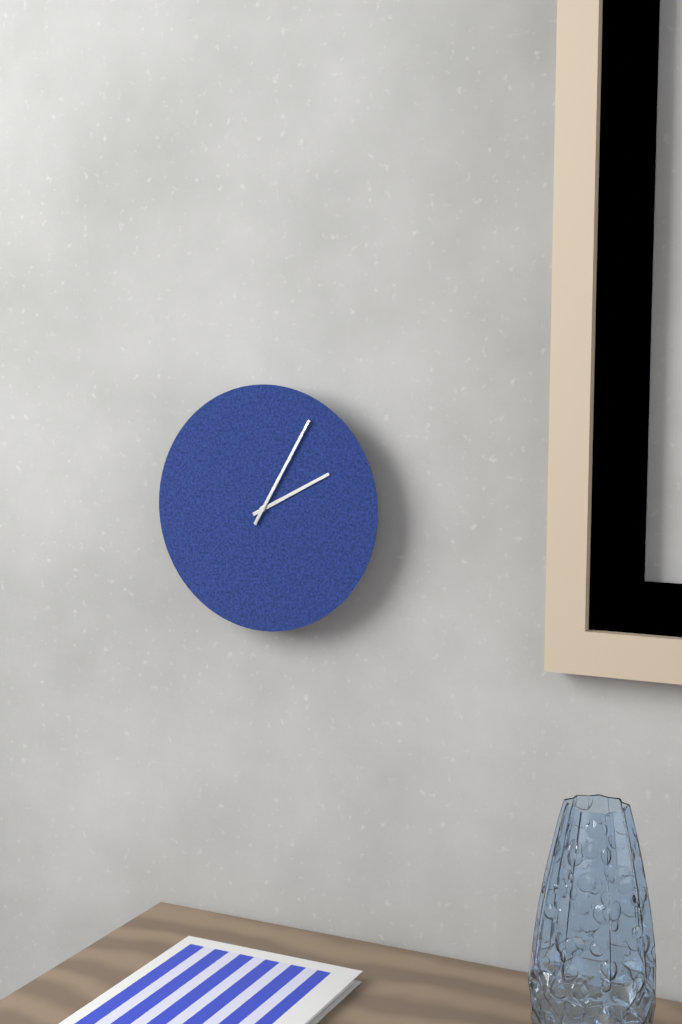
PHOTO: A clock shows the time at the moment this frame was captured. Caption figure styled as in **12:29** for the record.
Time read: **2:05**
